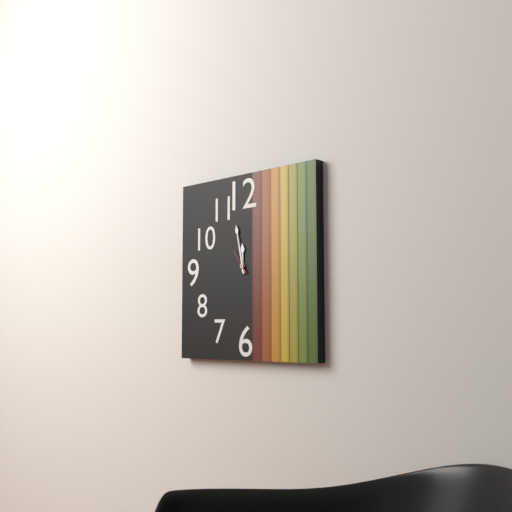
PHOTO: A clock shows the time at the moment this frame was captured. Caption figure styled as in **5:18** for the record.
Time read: **11:58**
